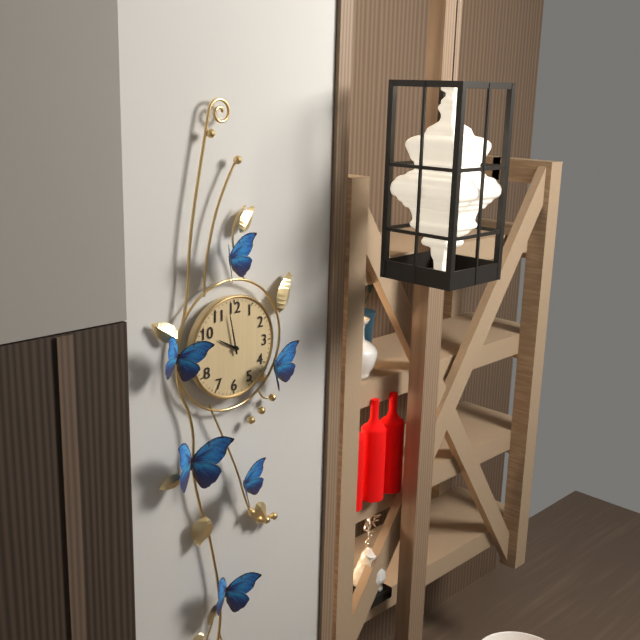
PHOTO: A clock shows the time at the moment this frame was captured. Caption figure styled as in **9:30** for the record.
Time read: **9:58**
